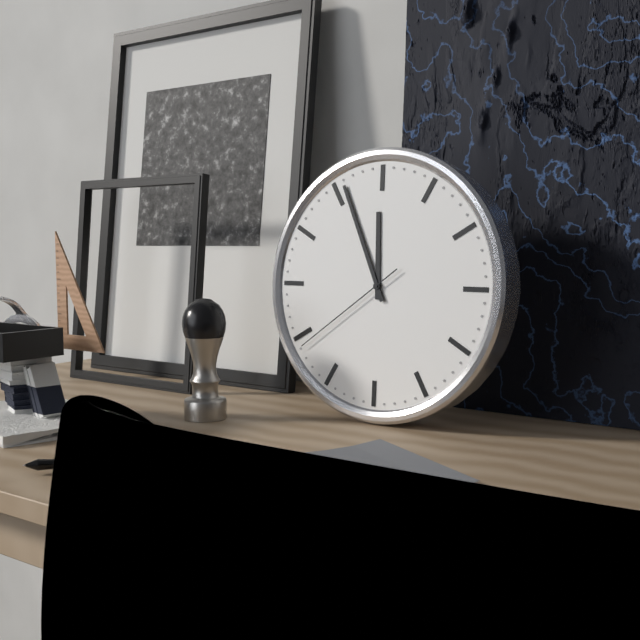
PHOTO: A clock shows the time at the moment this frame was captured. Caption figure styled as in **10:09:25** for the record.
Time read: **11:56:39**
